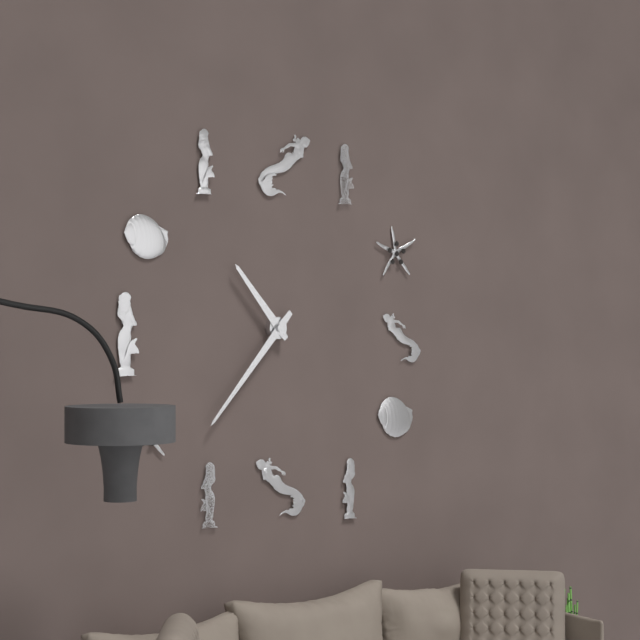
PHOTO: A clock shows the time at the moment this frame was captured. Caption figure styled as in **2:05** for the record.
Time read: **10:37**
